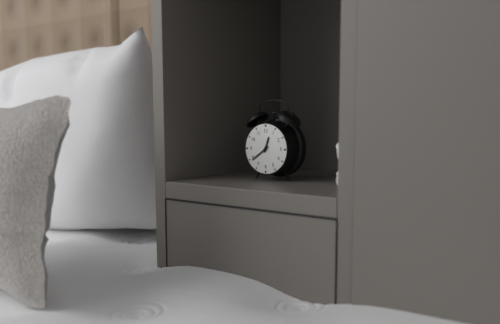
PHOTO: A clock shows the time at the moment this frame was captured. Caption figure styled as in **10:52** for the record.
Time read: **12:39**
